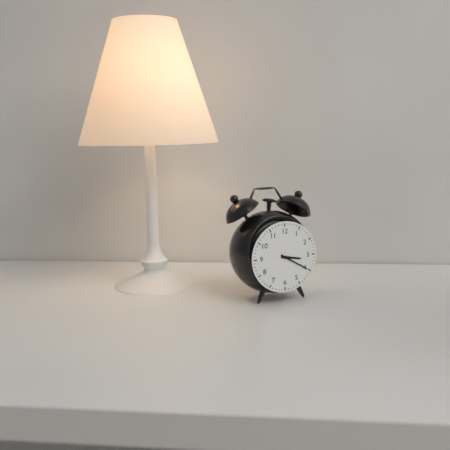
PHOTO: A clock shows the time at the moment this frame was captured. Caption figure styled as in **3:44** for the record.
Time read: **3:20**
